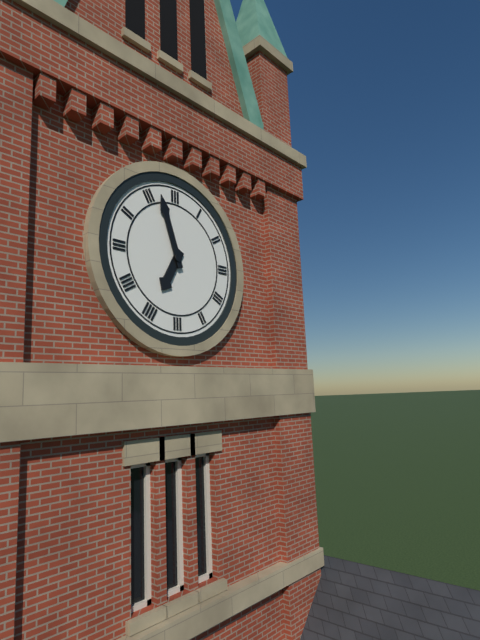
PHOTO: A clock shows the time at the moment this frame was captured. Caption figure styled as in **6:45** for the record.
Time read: **6:57**
